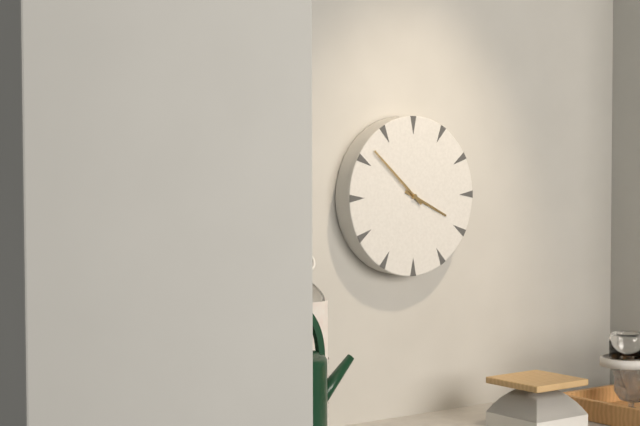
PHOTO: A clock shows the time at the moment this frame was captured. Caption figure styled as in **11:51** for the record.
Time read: **3:52**
